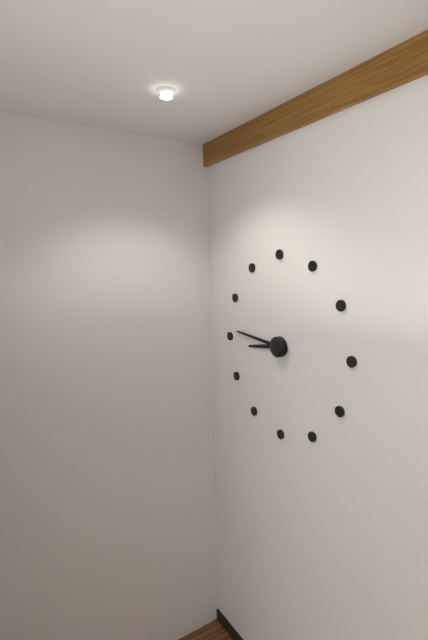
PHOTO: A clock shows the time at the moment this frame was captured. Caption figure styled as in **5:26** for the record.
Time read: **8:46**
